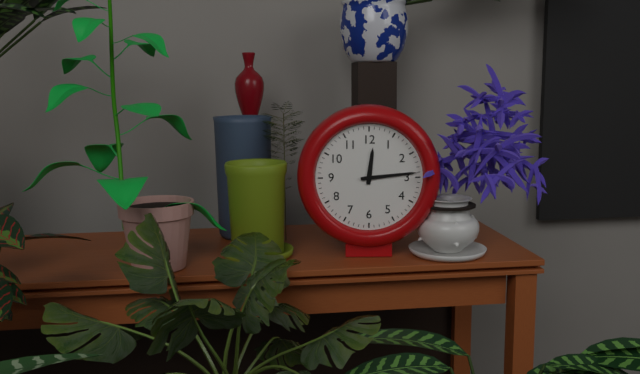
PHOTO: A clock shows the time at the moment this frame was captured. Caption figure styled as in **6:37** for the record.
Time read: **12:14**
